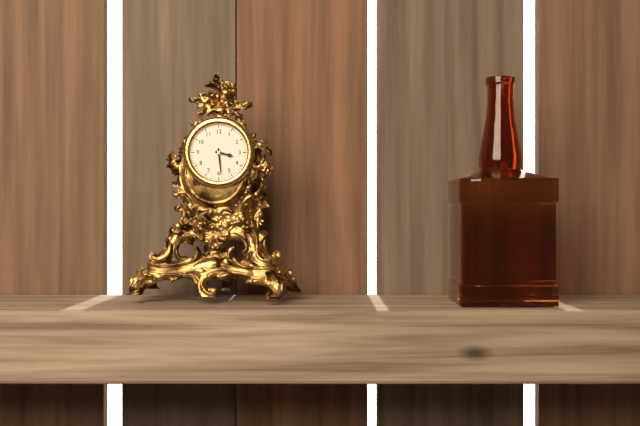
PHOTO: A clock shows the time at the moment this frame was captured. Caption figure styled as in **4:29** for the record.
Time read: **3:29**
